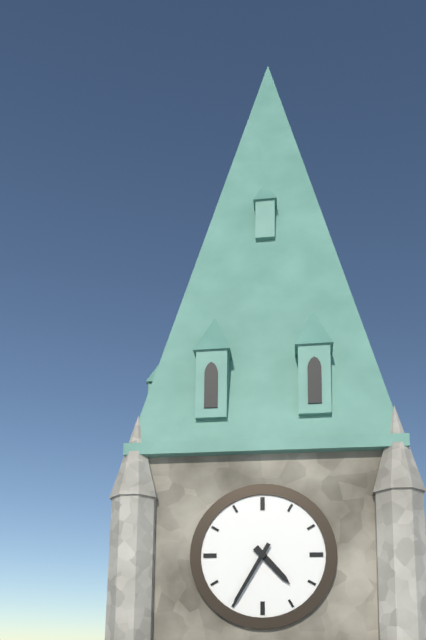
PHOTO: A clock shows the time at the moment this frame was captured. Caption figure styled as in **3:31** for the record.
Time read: **4:35**
